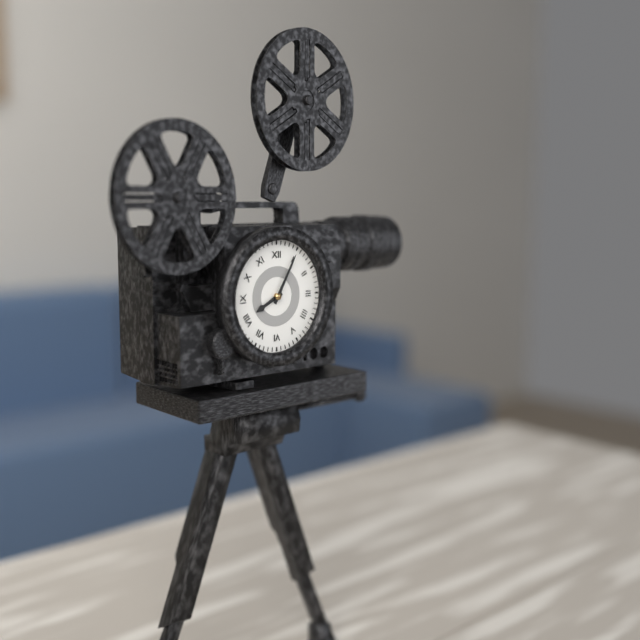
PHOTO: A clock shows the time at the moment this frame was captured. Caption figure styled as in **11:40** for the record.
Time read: **8:05**
